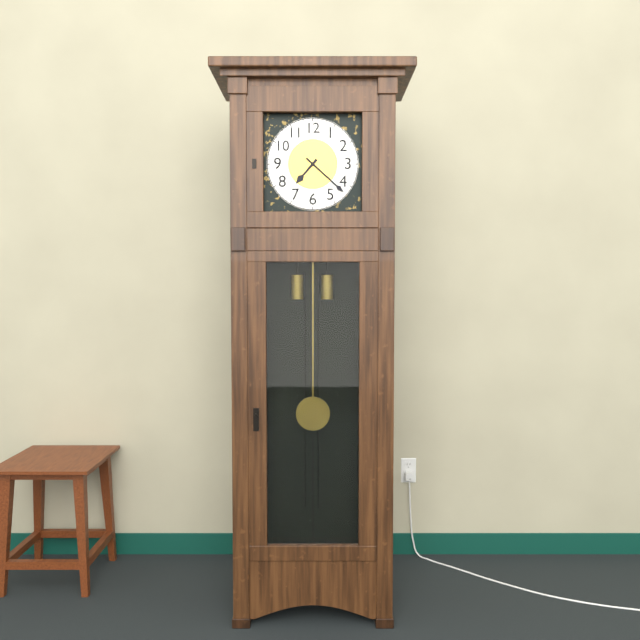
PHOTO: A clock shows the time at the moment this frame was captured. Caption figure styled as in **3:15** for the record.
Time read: **7:22**
